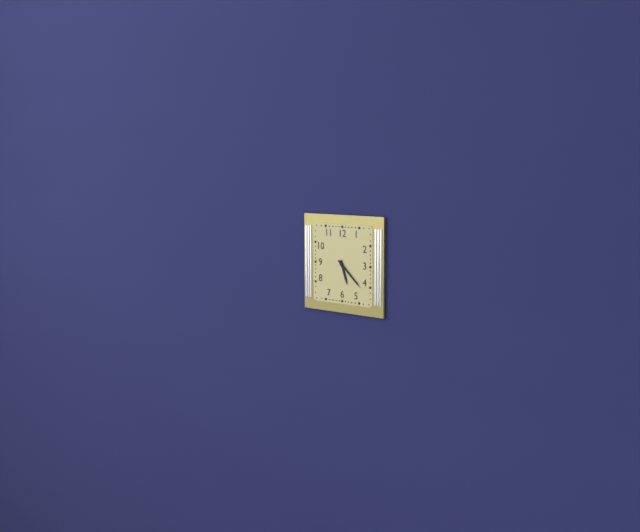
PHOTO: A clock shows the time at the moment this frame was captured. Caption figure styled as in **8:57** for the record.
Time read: **5:22**
